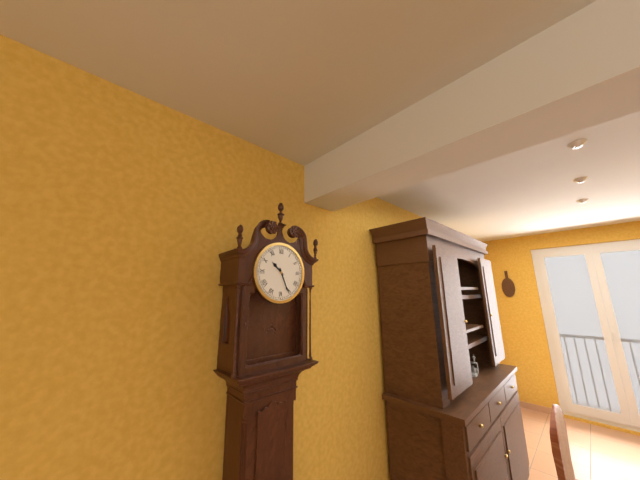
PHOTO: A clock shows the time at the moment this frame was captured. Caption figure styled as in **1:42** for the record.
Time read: **10:26**
